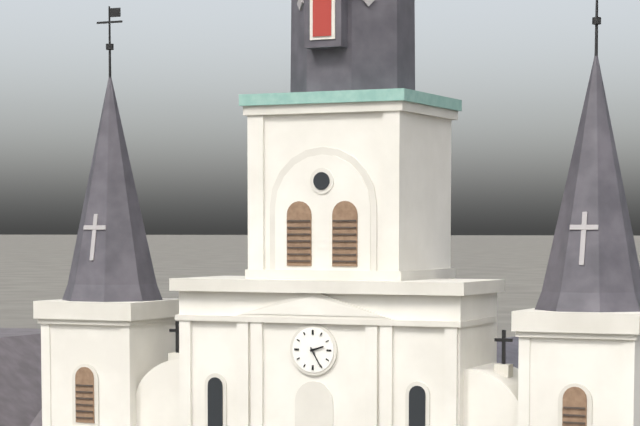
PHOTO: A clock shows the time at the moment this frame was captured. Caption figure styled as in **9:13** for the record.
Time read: **2:25**
